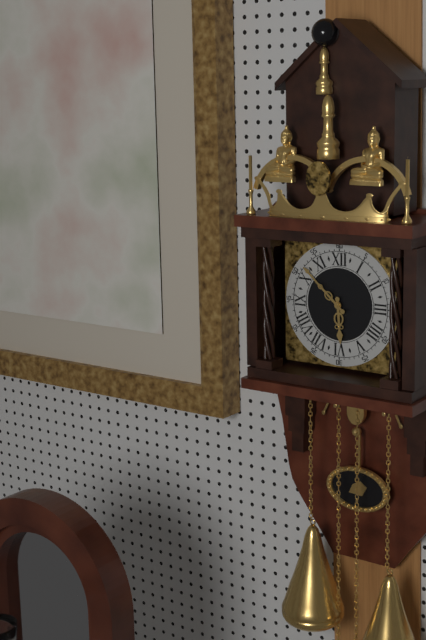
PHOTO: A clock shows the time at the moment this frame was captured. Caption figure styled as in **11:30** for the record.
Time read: **5:52**
